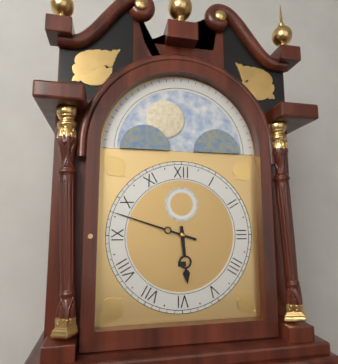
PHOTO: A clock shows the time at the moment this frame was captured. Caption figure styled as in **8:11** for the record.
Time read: **5:48**
